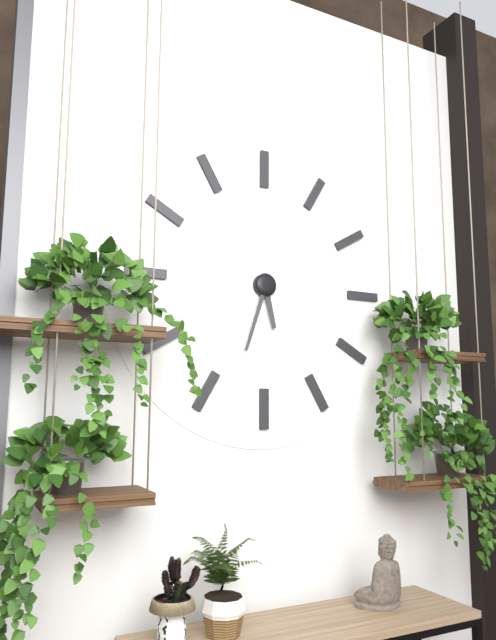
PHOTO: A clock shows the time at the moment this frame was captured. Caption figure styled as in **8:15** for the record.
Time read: **5:33**
